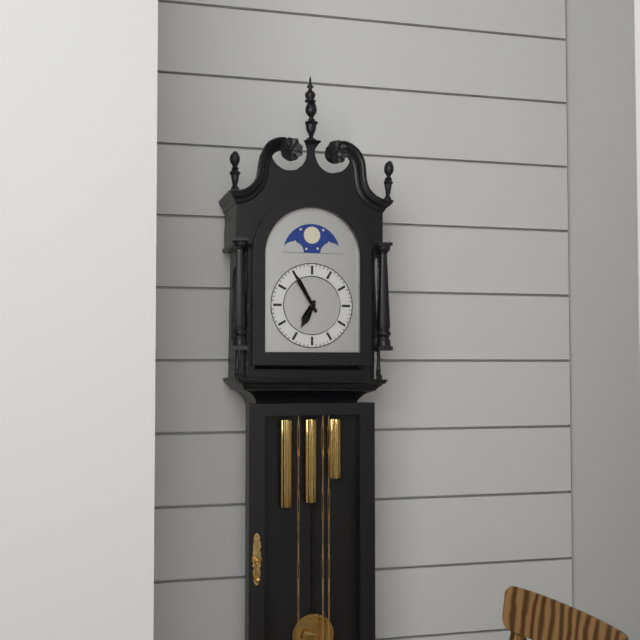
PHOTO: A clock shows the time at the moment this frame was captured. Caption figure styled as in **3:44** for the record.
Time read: **6:55**
